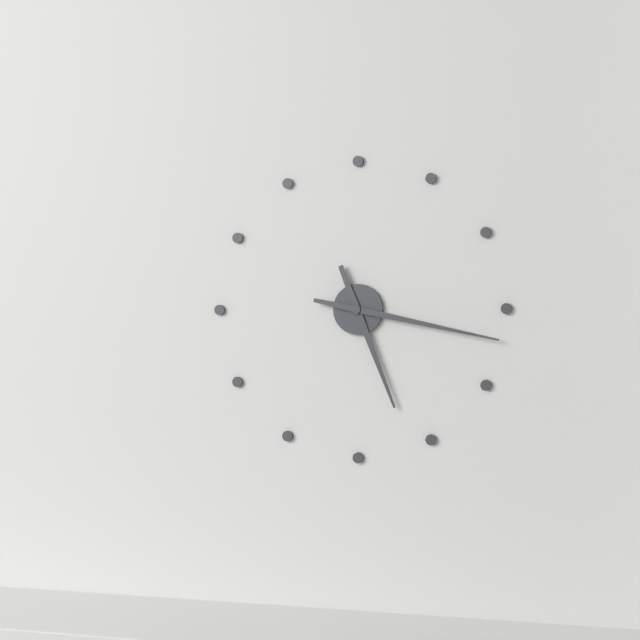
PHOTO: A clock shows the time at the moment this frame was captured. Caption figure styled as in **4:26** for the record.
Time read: **5:17**
